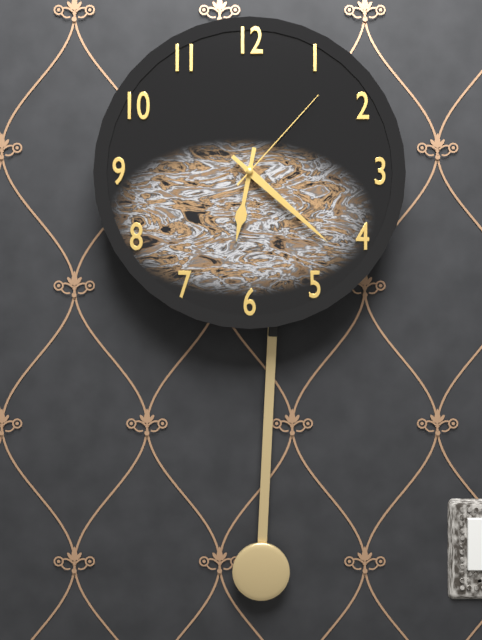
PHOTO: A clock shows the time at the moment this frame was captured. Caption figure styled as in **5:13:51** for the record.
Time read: **6:22:07**
